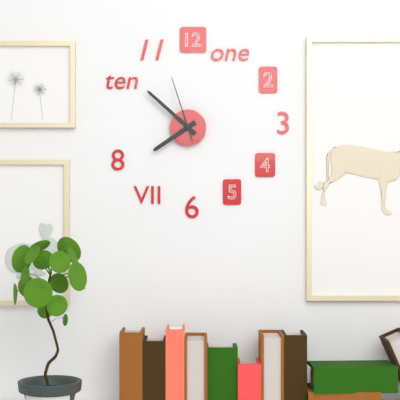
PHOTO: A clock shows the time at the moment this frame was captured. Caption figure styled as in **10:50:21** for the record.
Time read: **7:52:57**
